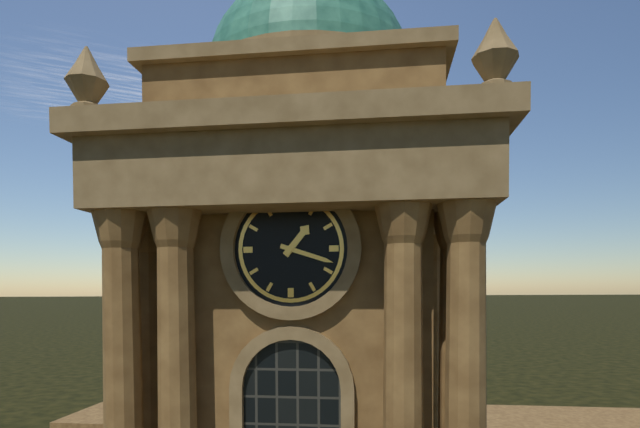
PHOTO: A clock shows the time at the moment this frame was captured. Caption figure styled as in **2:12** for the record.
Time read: **1:18**
